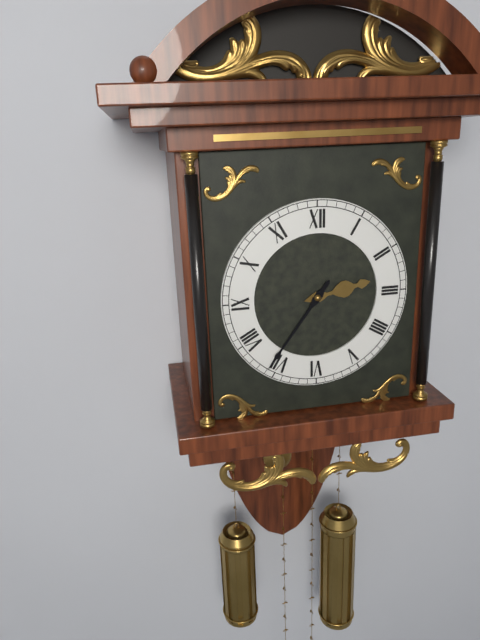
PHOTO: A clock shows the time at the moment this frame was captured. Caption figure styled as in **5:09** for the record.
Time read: **2:36**
